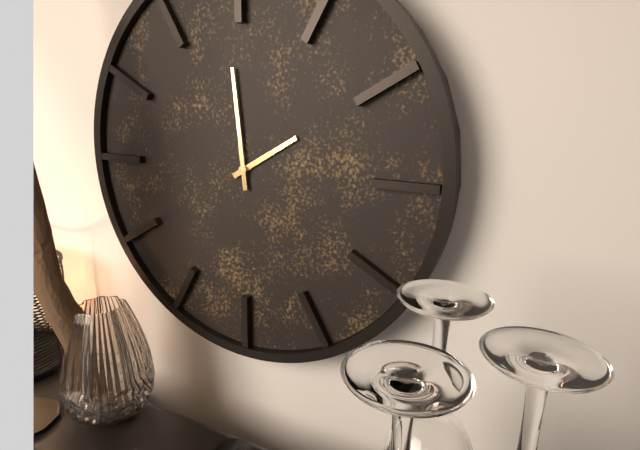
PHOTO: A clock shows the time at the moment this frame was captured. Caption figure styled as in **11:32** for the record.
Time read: **1:59**
